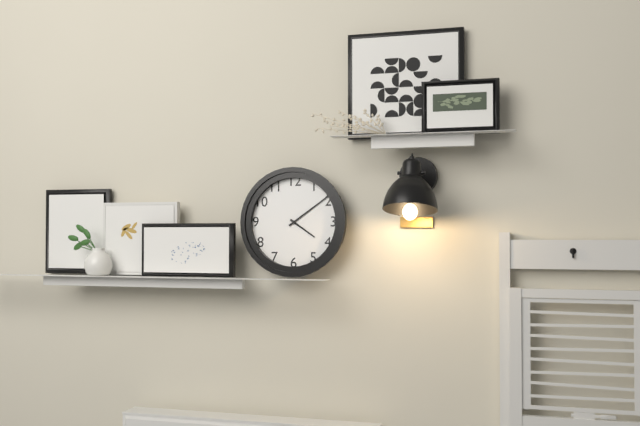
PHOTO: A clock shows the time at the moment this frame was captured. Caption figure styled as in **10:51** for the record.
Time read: **4:09**
